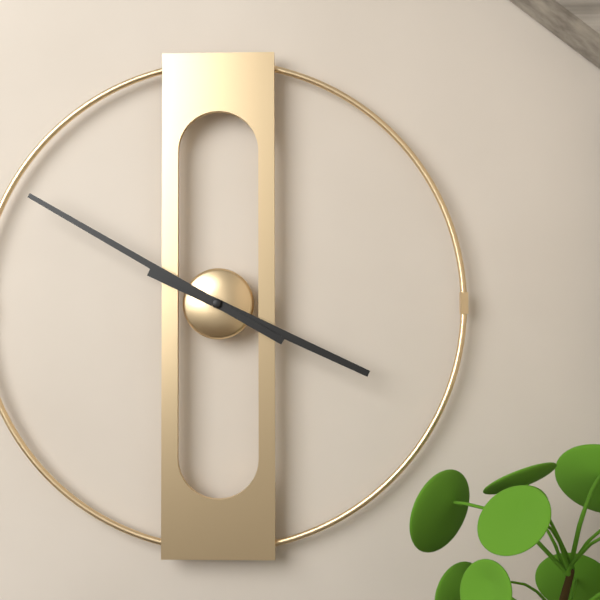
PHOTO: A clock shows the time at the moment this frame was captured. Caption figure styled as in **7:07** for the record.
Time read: **3:50**
